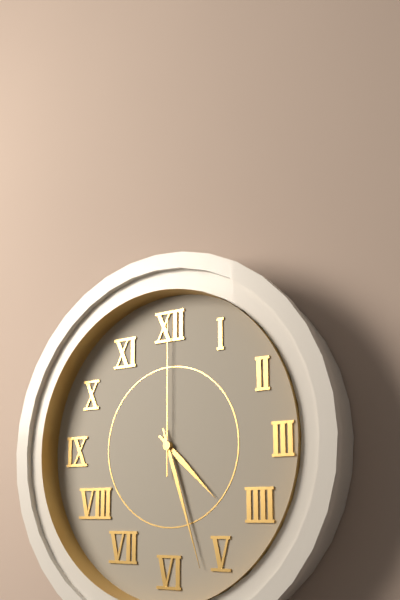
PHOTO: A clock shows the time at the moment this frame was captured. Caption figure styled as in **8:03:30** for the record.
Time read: **4:27:00**
